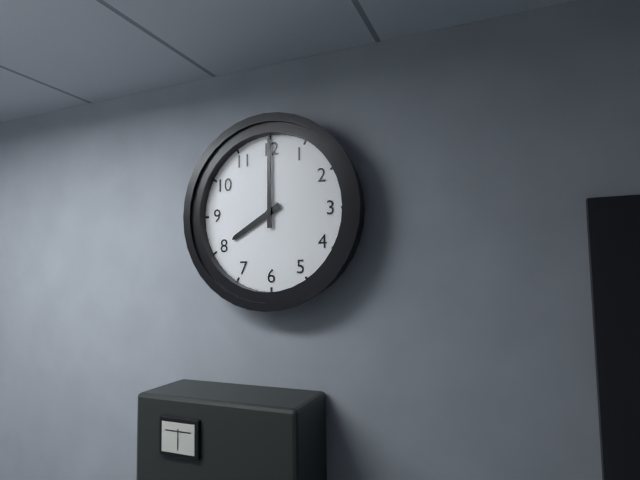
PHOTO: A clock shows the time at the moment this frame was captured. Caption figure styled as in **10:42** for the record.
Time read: **8:00**
